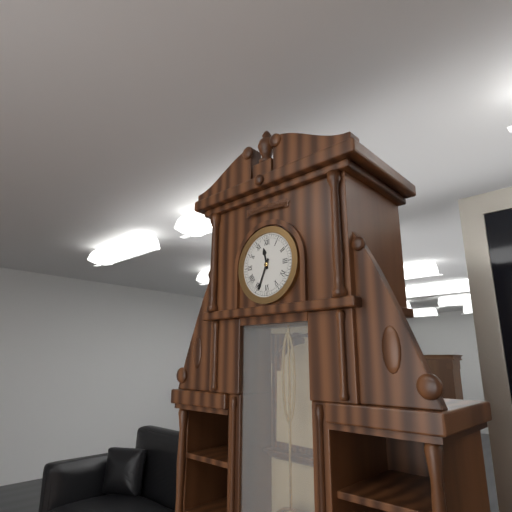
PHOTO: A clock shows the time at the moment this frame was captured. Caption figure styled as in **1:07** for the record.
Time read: **11:34**
